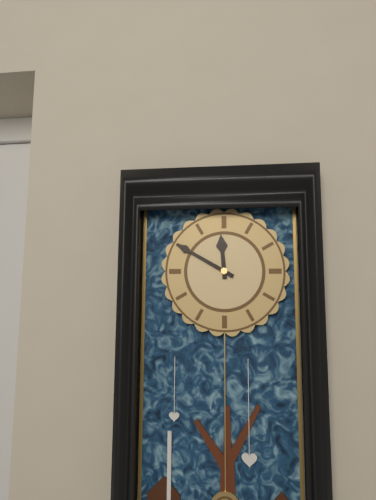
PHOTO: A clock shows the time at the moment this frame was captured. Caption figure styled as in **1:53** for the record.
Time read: **11:50**
